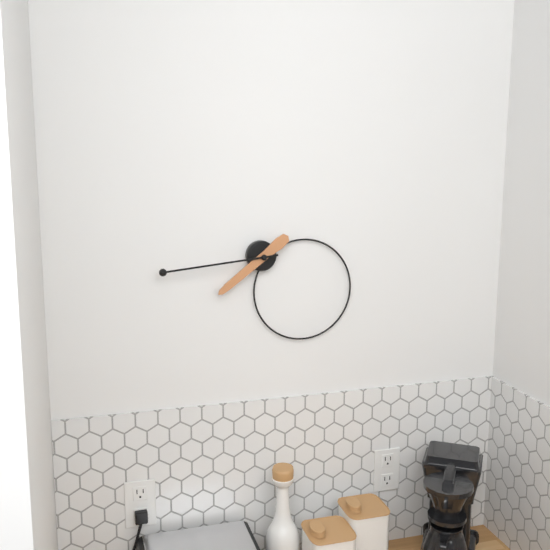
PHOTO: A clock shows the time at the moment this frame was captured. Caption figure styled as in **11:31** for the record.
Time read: **7:44**
